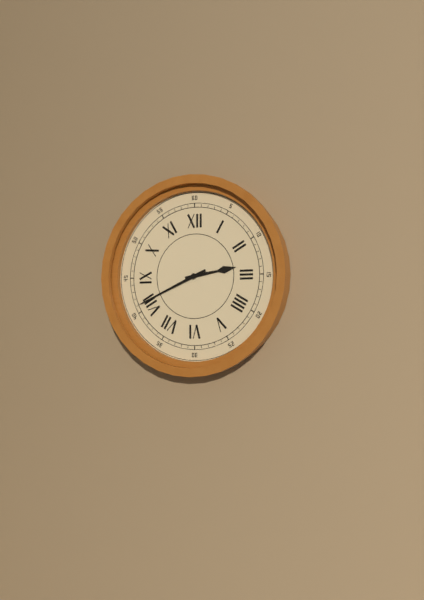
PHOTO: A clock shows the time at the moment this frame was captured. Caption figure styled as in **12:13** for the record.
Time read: **2:41**
